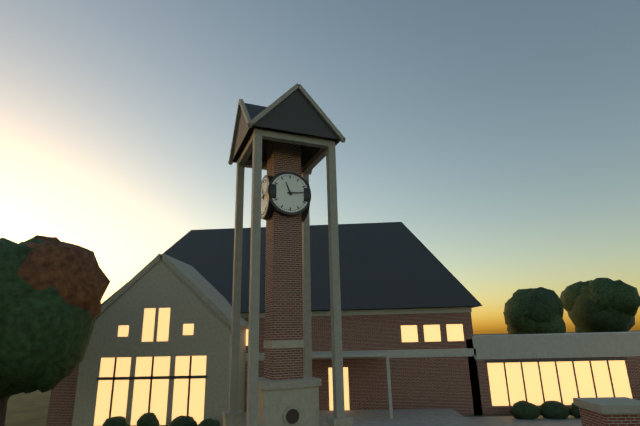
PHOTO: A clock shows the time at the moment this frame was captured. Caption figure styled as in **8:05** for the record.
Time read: **11:14**
